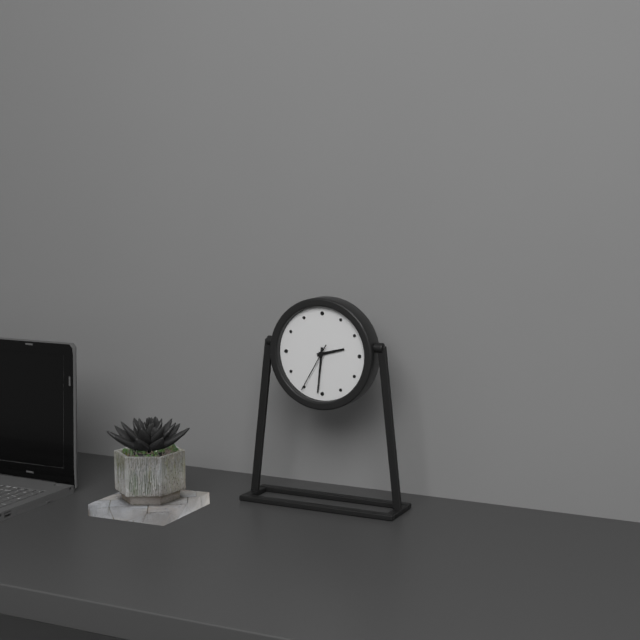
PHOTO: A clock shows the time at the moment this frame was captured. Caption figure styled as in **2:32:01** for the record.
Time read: **2:31:35**
